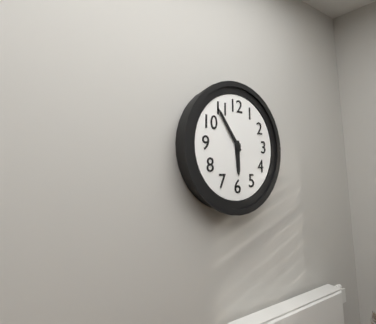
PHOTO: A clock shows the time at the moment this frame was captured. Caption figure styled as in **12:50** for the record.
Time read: **5:54**
